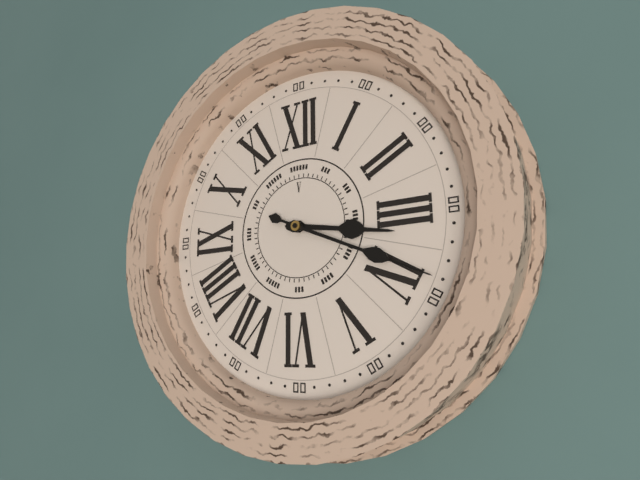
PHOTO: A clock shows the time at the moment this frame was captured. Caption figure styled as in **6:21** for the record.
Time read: **3:19**
